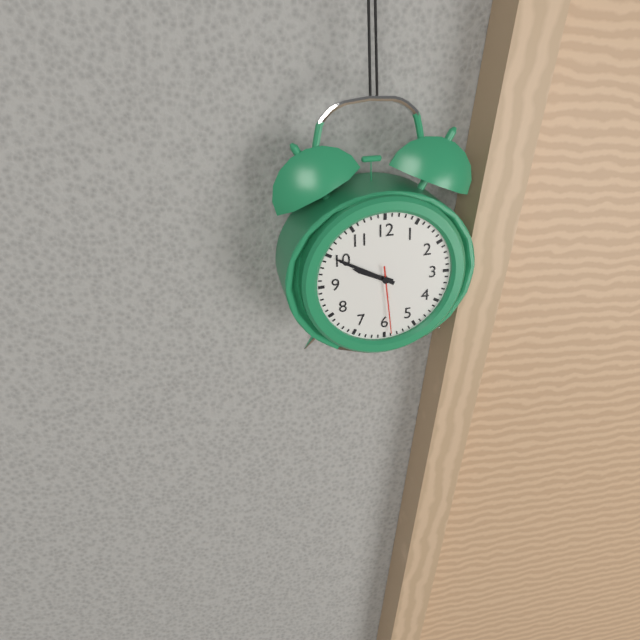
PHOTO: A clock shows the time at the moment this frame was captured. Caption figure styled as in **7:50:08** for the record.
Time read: **9:50:29**
